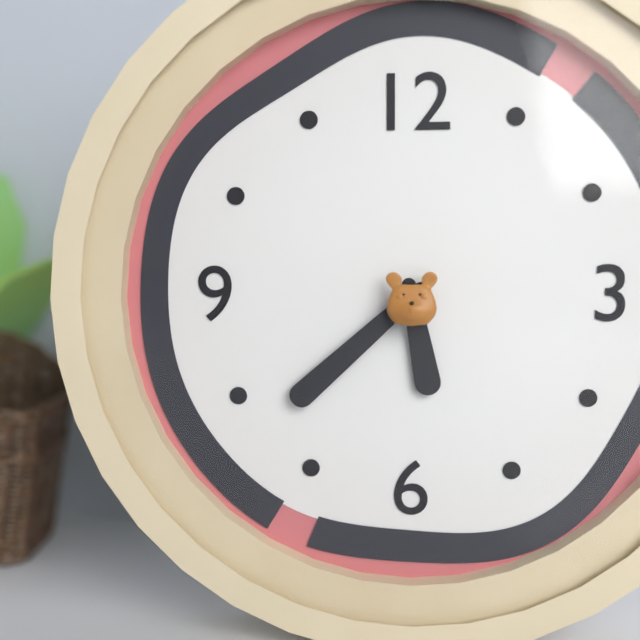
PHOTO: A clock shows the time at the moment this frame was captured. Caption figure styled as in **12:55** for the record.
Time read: **5:38**
